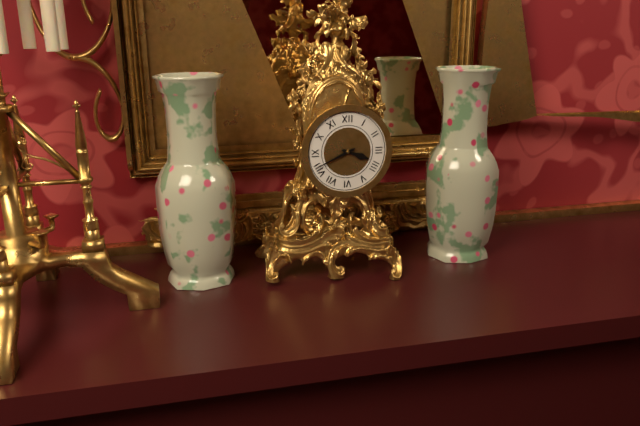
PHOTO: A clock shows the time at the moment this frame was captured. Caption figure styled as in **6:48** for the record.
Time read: **3:41**
